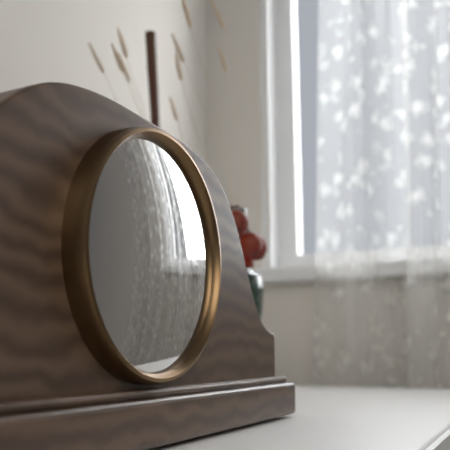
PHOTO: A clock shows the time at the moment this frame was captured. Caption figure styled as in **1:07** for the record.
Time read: **7:35**
